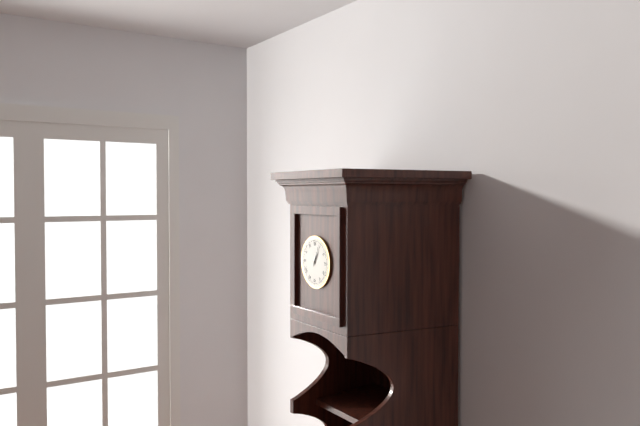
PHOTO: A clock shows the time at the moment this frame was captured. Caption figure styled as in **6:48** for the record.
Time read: **1:04**
